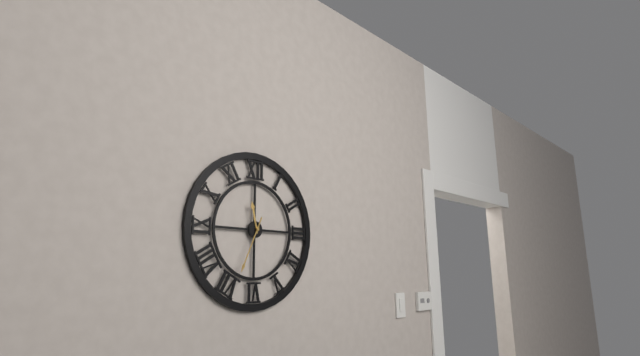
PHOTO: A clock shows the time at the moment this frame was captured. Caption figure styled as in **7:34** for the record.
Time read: **11:34**
